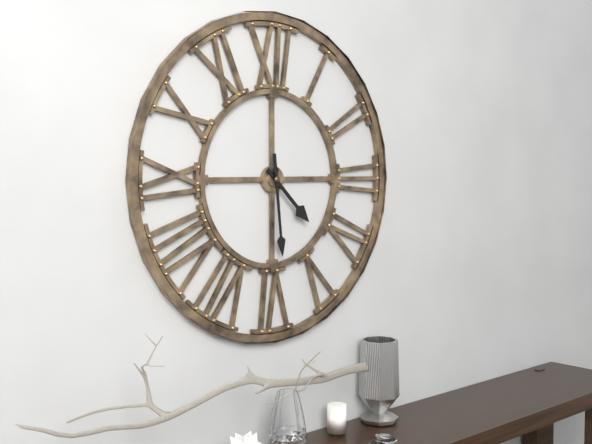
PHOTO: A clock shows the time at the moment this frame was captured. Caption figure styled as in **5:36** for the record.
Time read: **4:29**
